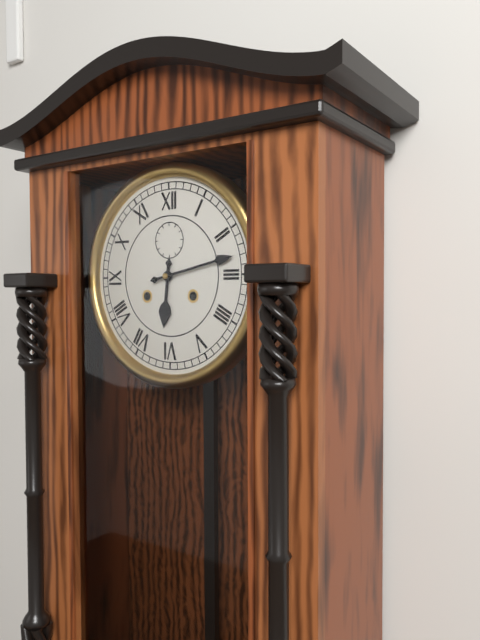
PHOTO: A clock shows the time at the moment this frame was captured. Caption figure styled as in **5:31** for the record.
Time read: **6:13**
